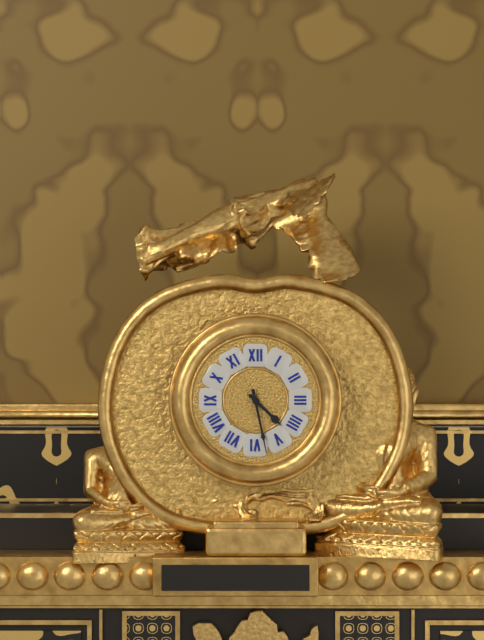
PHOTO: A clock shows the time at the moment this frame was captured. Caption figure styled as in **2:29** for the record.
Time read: **4:28**
